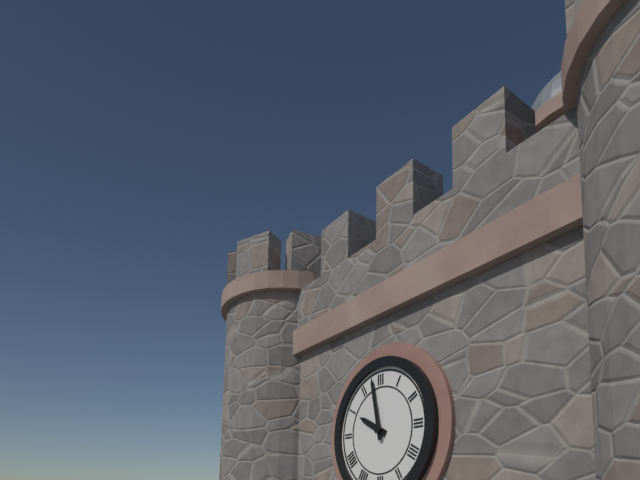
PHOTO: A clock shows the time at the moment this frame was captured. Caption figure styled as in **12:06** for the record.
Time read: **9:58**
